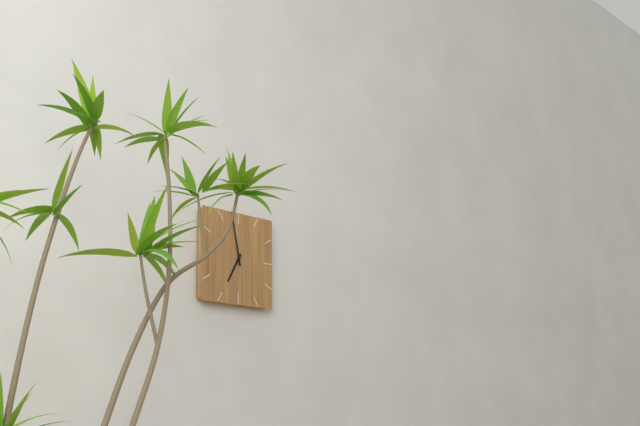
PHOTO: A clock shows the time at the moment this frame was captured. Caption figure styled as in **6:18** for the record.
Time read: **6:58**
